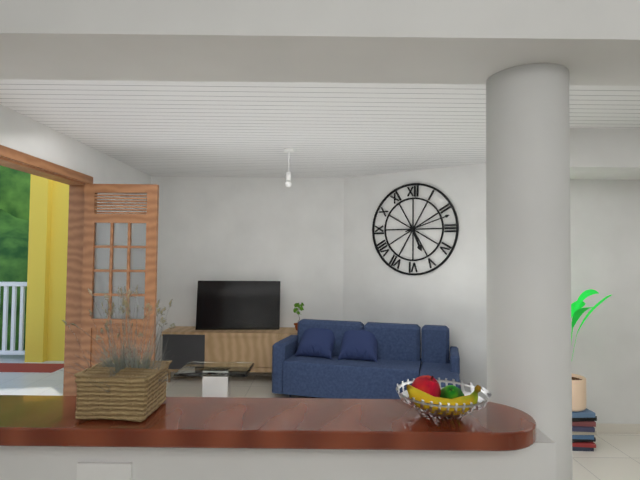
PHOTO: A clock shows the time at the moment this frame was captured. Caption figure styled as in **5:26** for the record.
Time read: **5:12**
